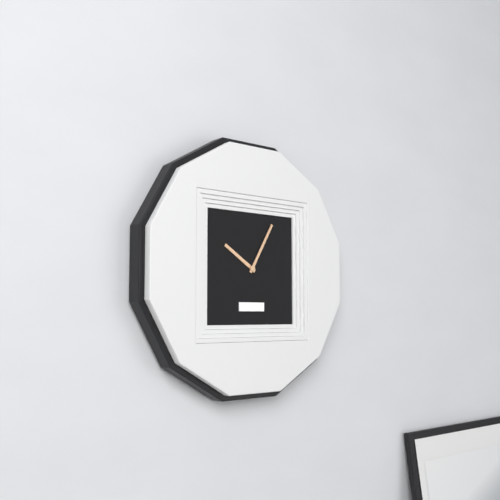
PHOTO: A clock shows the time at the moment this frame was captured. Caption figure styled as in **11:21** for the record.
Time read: **10:05**
